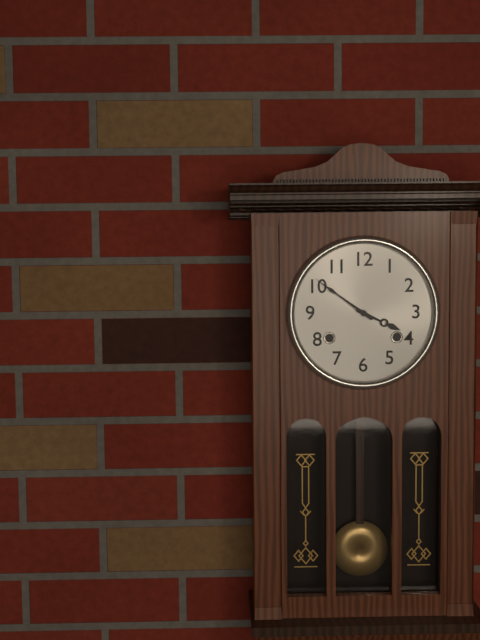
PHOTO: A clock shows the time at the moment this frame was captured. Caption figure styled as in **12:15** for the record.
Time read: **3:51**
